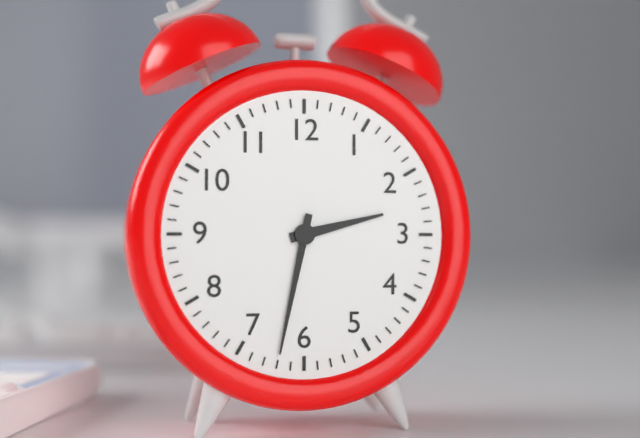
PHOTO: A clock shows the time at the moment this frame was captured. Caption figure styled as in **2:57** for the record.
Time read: **2:32**
